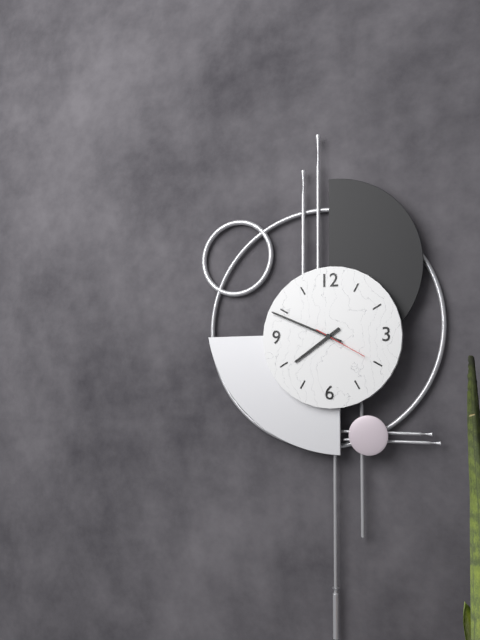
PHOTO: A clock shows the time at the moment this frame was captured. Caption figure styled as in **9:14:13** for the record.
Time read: **7:49:20**
